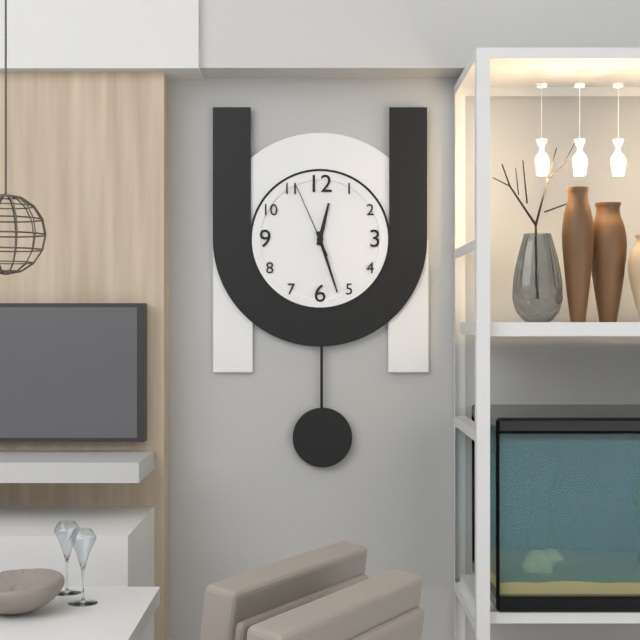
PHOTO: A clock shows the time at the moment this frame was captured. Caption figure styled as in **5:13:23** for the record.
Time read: **12:27:56**
